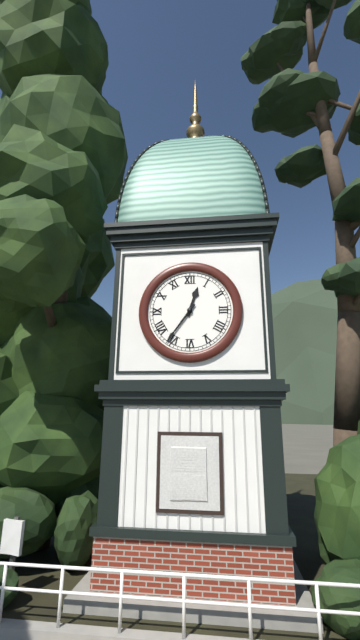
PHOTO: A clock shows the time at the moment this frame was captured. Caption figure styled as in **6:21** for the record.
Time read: **12:36**
